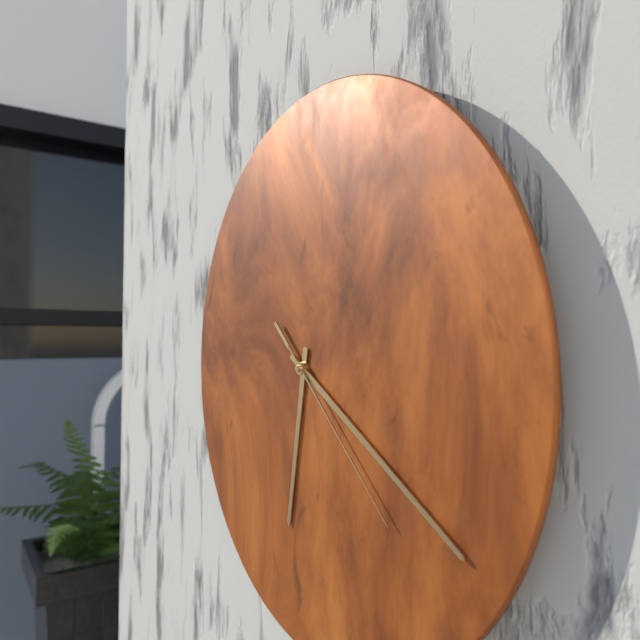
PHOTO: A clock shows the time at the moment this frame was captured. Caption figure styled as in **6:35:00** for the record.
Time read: **6:20:22**
